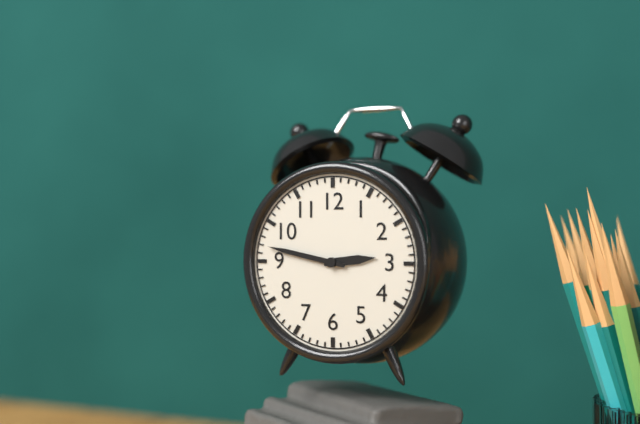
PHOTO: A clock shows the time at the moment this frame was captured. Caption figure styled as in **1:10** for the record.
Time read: **2:47**
